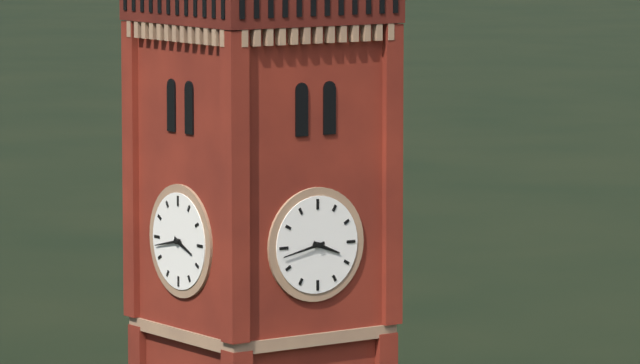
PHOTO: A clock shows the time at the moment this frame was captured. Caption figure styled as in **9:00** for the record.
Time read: **3:43**
